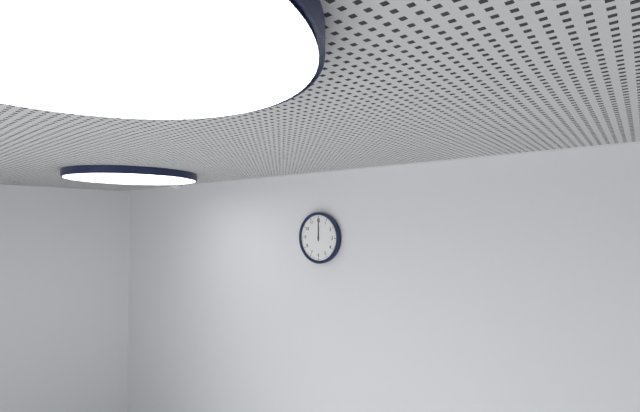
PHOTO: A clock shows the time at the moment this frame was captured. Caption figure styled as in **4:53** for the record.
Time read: **12:00**
